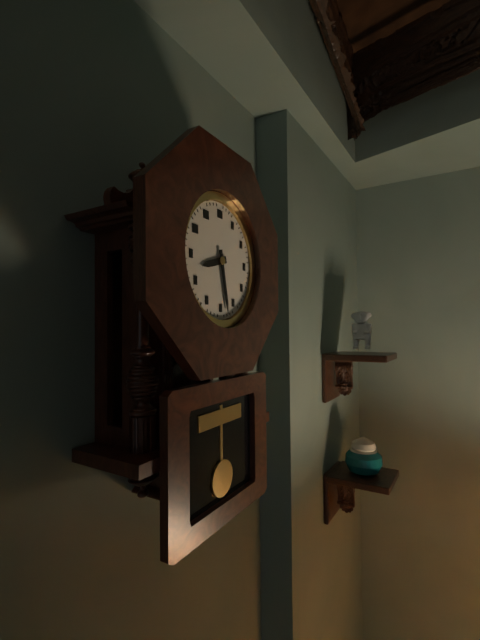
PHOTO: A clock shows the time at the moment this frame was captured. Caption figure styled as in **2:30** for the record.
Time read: **8:28**
